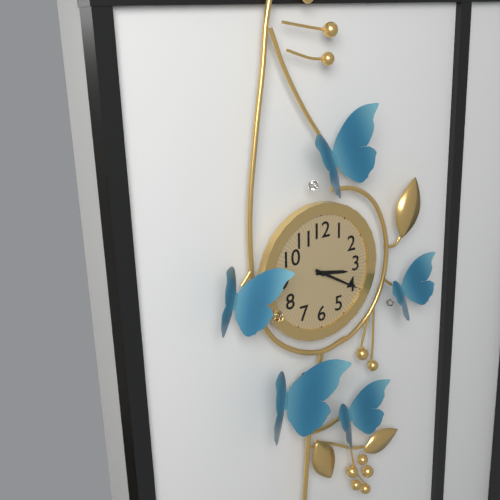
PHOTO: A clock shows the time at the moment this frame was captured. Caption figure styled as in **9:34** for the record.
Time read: **3:20**
